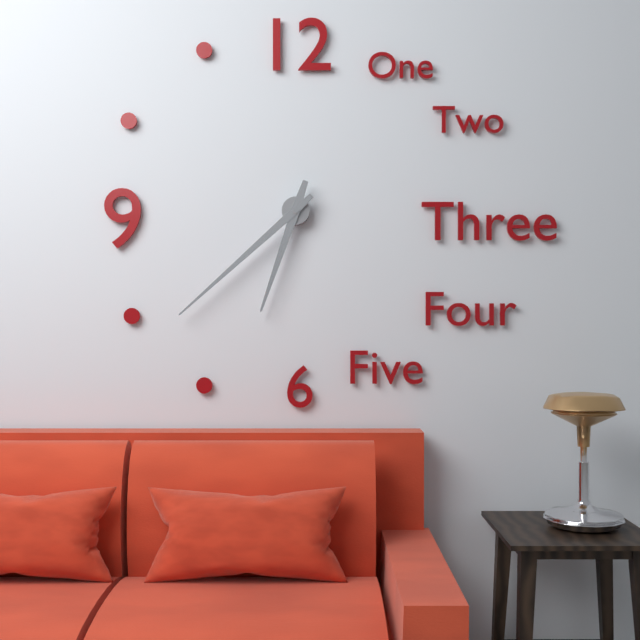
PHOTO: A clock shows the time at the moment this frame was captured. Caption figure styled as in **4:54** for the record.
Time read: **6:38**
